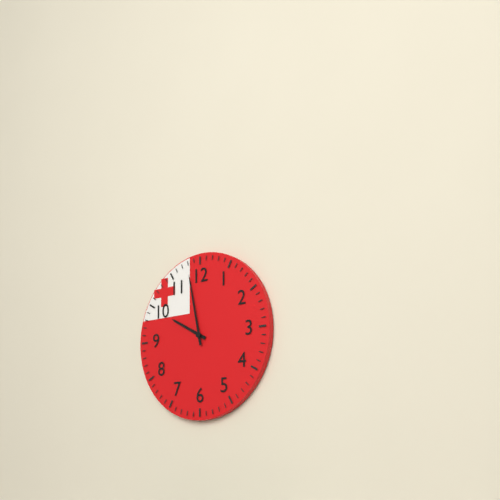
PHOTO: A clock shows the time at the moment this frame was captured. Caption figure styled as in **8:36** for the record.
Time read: **9:58**
